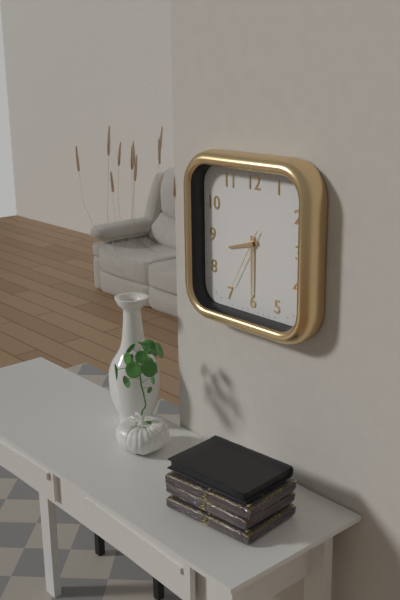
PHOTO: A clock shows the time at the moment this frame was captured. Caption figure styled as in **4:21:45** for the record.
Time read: **8:30:35**
